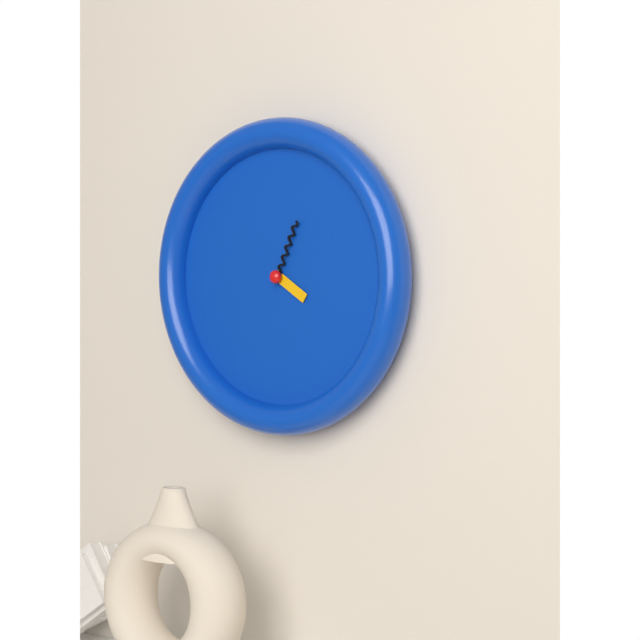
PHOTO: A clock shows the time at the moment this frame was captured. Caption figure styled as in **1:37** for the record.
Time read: **4:04**
